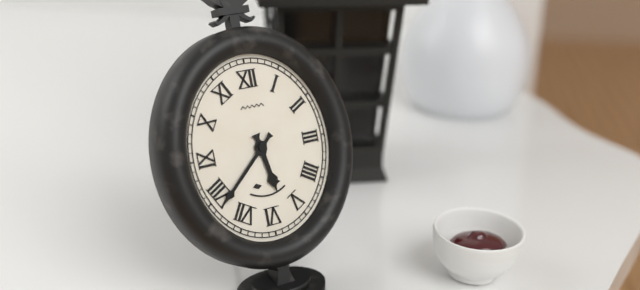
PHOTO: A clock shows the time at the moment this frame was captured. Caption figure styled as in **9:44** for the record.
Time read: **5:38**
